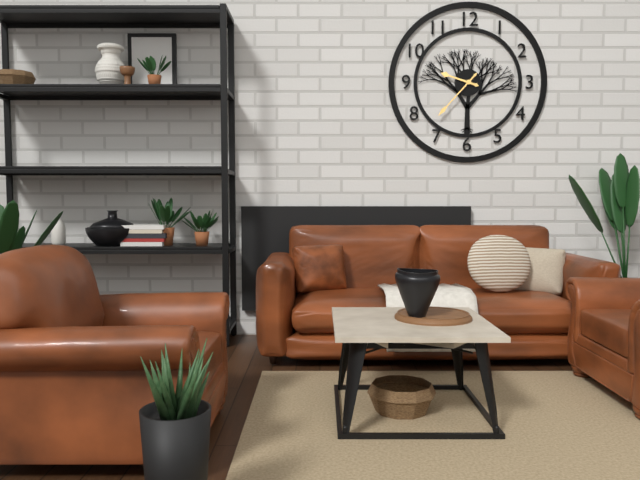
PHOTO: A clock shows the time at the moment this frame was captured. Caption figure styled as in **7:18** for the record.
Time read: **9:37**
